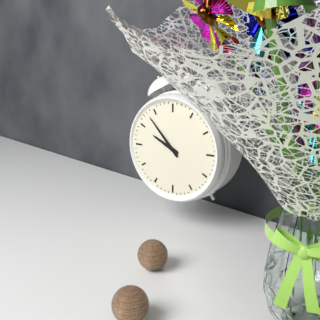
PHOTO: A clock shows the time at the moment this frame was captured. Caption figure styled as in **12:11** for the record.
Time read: **9:53**
